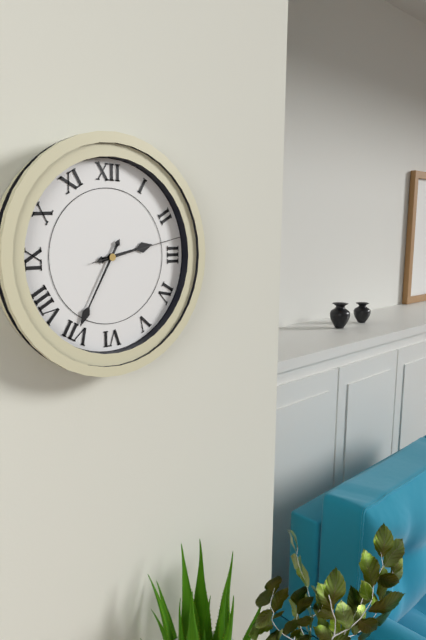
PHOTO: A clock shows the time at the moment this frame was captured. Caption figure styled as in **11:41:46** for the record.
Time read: **2:35:13**
